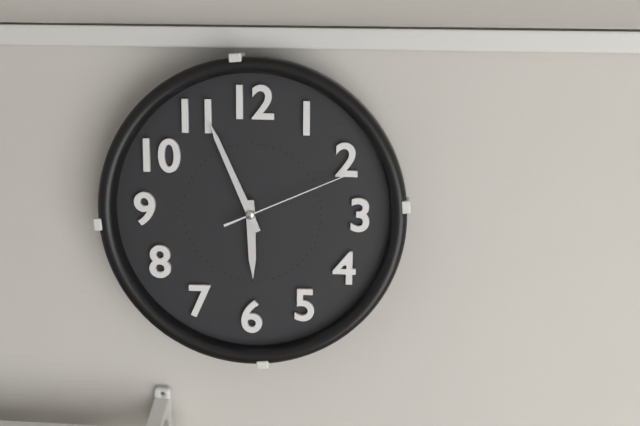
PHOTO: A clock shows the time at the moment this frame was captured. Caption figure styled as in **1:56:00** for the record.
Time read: **5:56:11**
